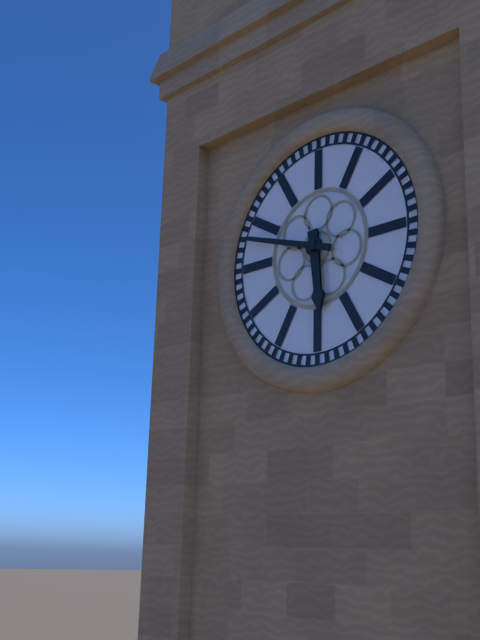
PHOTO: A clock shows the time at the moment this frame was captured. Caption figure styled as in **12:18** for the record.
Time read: **5:48**
